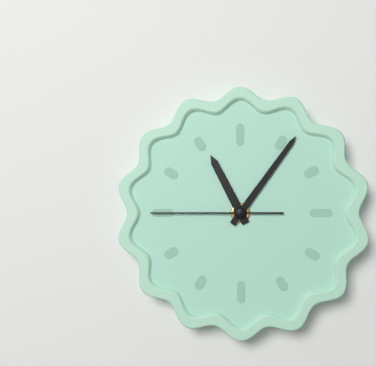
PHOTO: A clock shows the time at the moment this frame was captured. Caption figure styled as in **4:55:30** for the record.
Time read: **11:06:45**
